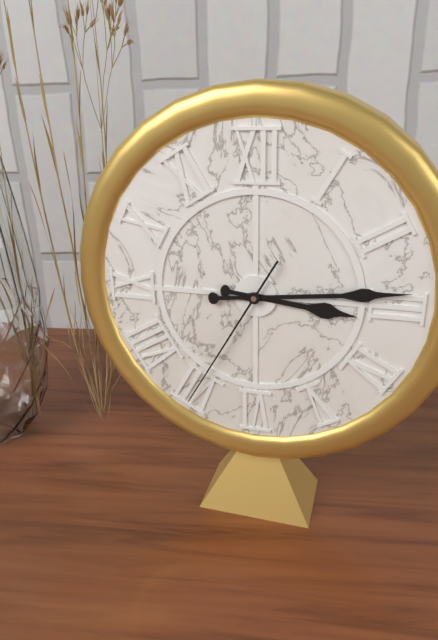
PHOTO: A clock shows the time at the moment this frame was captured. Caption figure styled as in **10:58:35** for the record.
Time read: **3:14:35**
